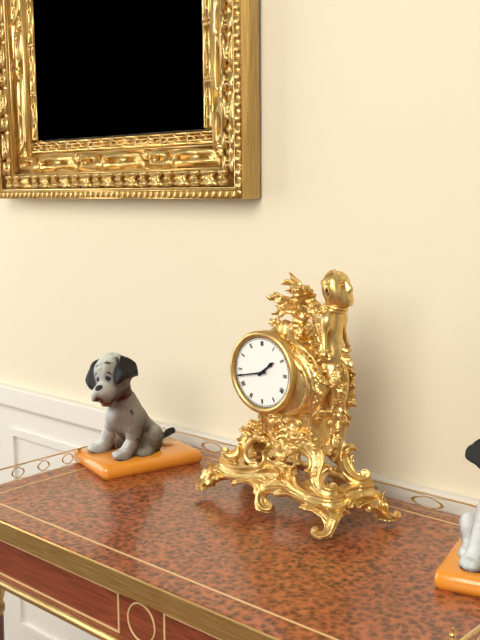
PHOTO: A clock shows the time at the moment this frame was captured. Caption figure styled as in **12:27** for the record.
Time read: **1:43**
